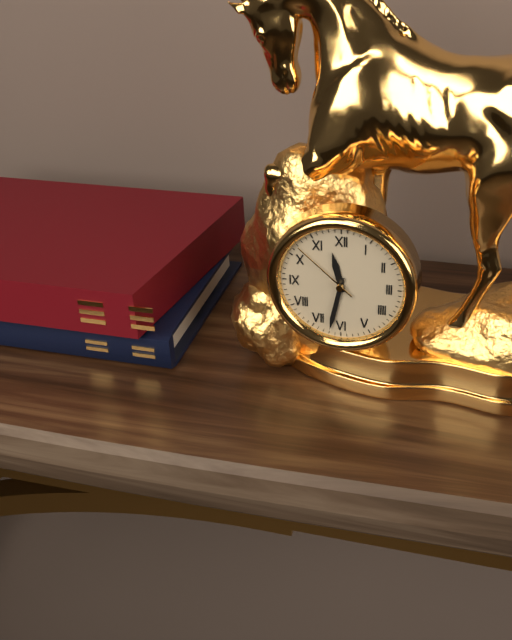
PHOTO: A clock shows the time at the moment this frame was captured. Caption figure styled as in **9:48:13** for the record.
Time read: **11:32:52**
